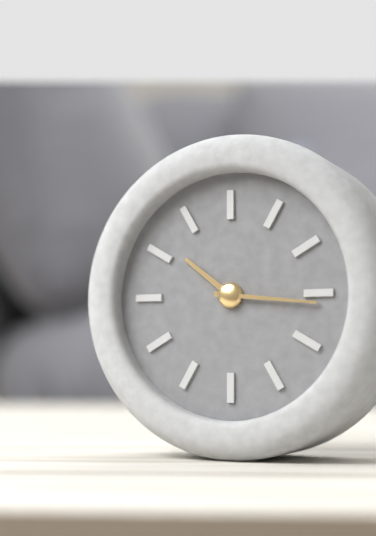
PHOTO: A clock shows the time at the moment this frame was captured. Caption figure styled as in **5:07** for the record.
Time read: **10:16**
